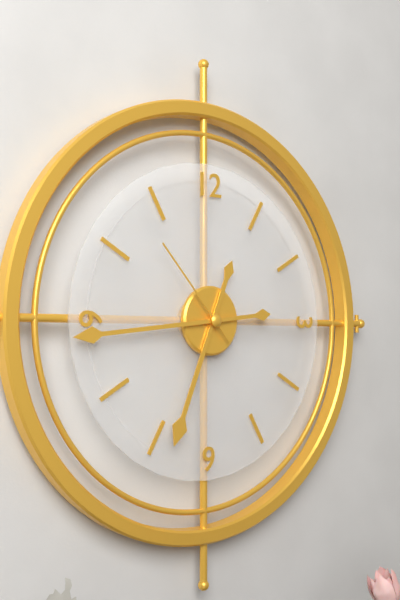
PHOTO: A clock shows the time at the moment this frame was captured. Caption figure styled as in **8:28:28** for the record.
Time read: **6:44:53**
